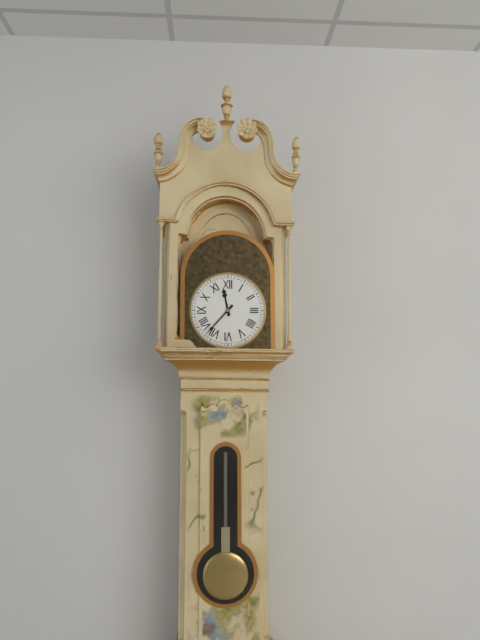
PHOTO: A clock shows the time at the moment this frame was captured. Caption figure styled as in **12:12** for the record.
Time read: **11:37**
